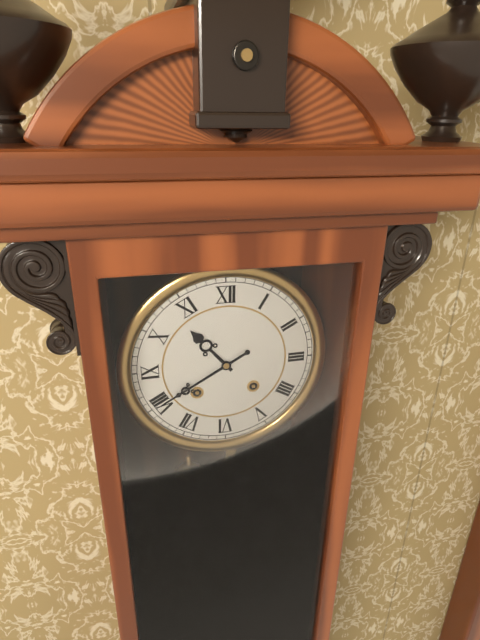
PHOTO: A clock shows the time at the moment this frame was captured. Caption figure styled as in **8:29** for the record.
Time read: **10:40**
